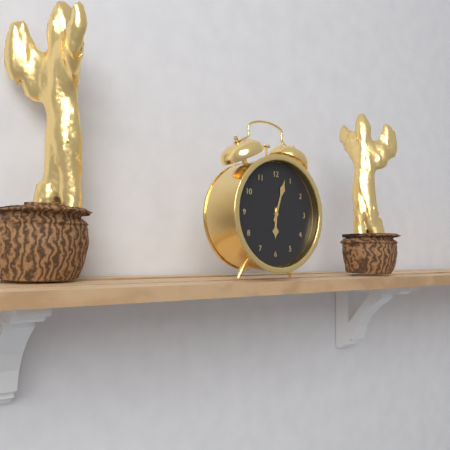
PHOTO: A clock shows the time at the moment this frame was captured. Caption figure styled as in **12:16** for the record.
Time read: **6:03**
